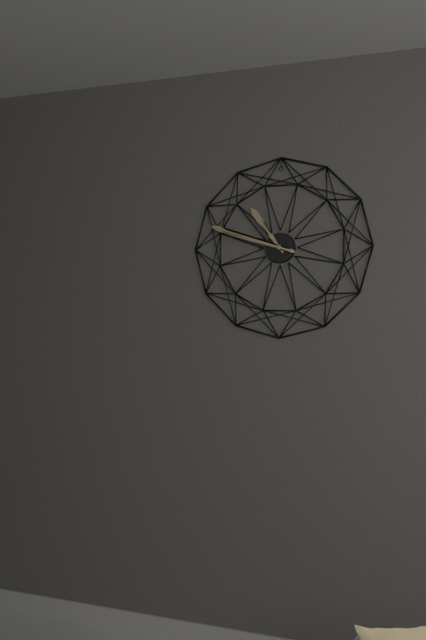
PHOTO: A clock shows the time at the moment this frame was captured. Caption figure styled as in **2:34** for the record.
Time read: **10:48**
